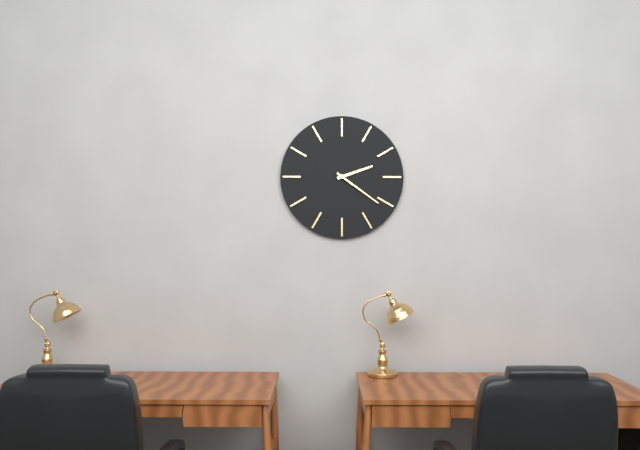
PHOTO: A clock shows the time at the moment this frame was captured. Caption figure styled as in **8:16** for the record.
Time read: **2:21**
